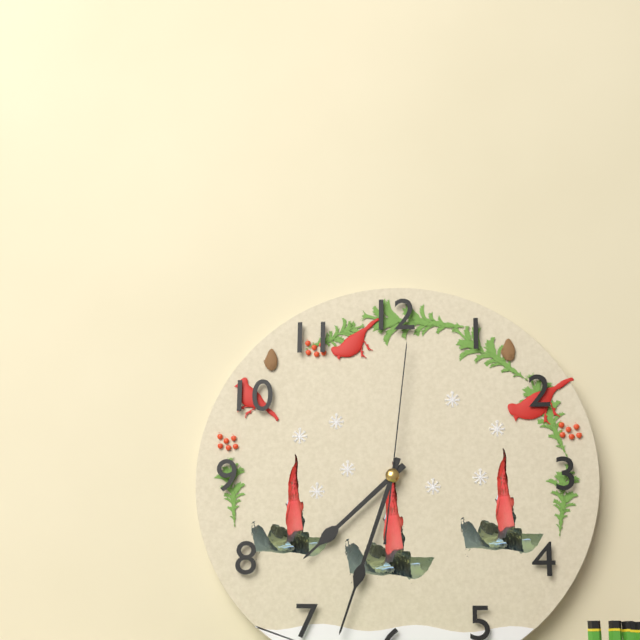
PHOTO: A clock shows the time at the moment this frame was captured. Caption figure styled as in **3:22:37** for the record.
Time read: **7:33:01**
